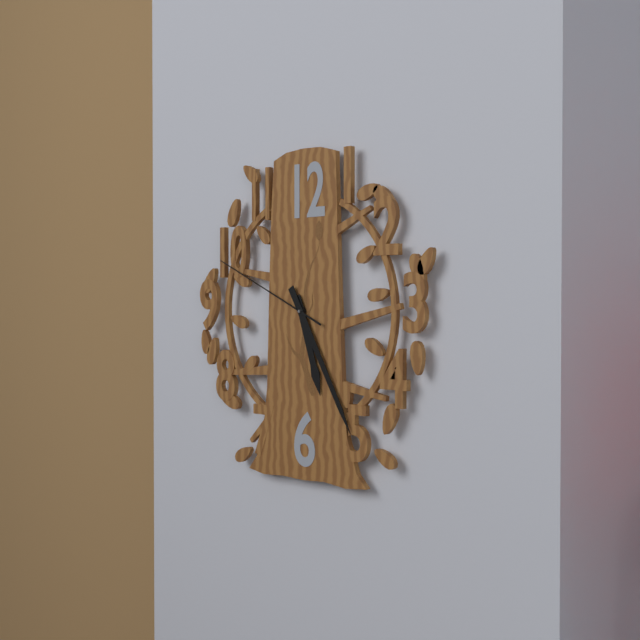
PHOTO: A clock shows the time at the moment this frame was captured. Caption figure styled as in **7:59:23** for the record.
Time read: **5:25:49**
